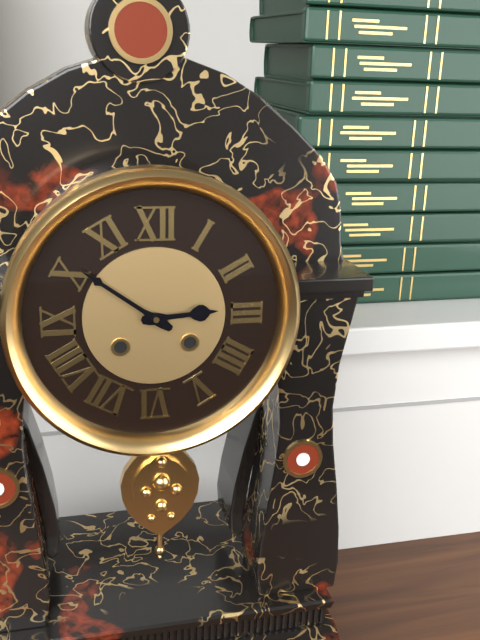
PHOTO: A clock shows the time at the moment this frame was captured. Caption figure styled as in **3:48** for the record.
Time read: **2:51**
